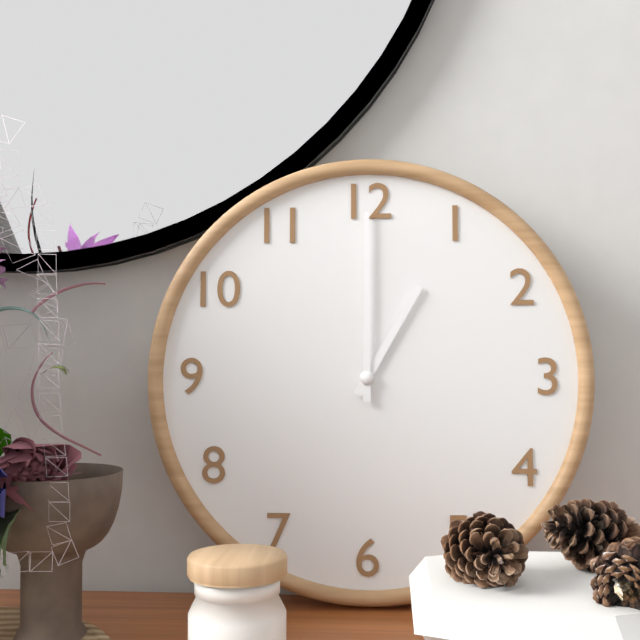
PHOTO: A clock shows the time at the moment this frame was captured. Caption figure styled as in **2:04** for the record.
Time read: **1:00**
